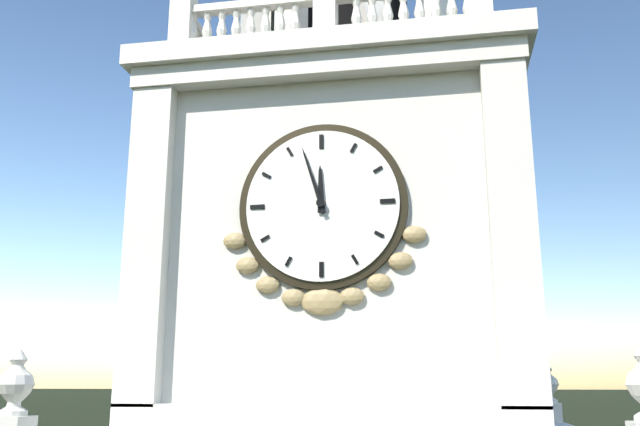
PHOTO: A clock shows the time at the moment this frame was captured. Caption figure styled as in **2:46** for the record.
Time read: **11:57**
